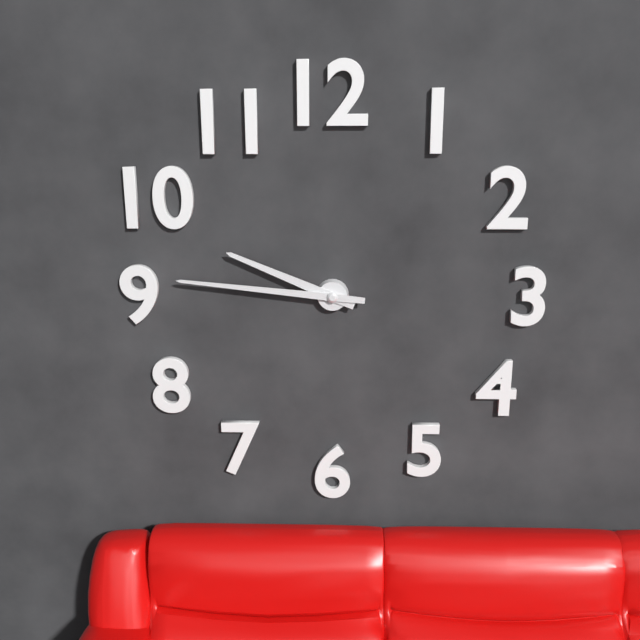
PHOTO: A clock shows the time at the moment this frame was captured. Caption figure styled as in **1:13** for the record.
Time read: **9:46**
